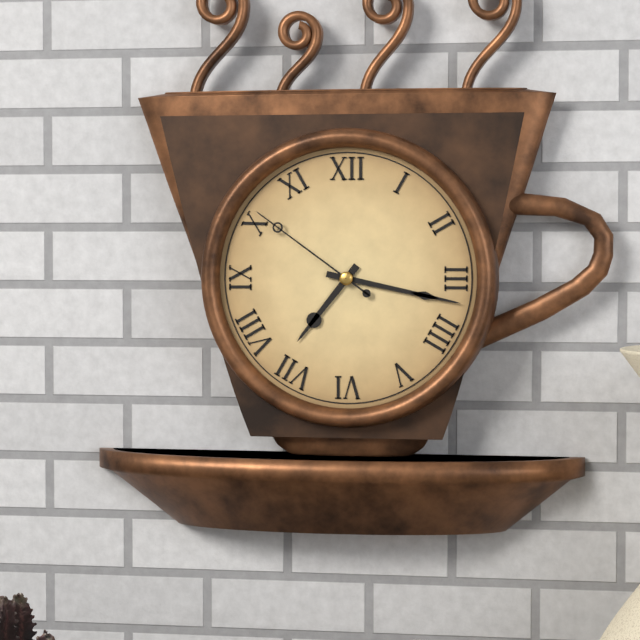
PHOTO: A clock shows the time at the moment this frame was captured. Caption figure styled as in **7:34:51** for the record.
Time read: **7:17:51**
